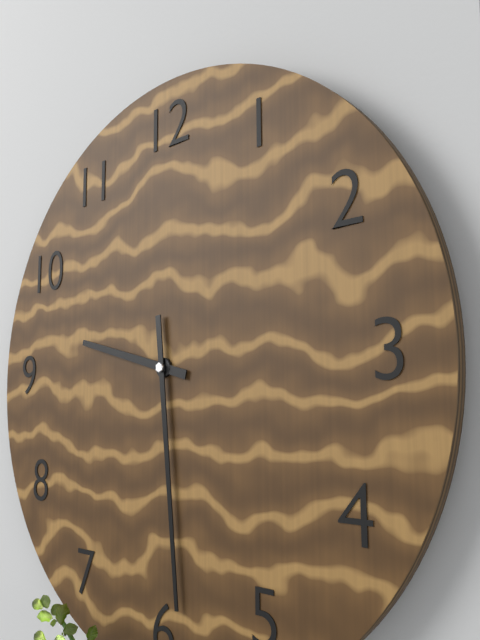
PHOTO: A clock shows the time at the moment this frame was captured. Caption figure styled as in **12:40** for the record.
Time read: **9:29**
